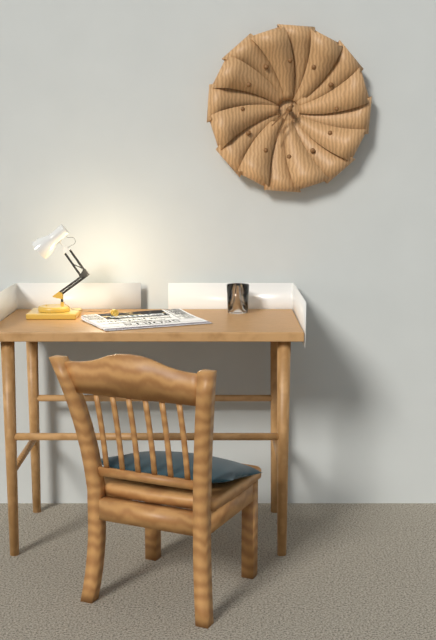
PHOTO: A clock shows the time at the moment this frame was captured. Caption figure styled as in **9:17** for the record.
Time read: **7:34**
